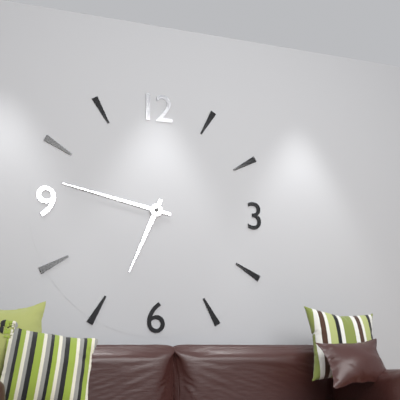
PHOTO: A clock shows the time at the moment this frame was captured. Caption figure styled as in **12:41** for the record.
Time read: **6:47**
